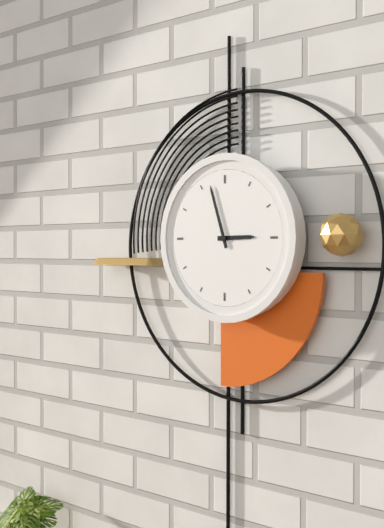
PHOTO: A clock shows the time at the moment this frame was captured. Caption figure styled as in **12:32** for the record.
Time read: **2:57**
